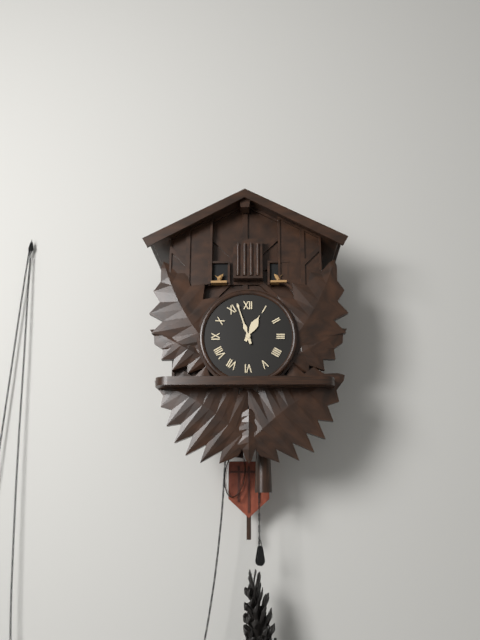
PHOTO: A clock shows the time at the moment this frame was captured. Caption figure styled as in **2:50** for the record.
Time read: **12:57**
